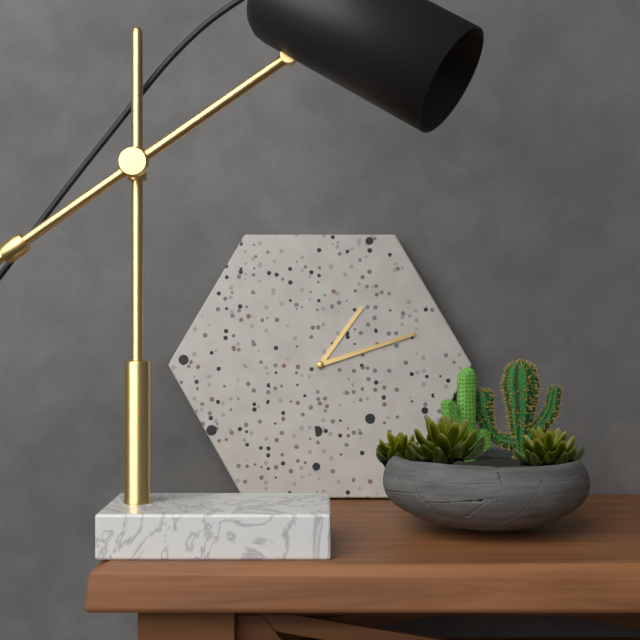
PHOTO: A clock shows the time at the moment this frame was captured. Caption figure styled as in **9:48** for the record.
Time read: **1:12**
